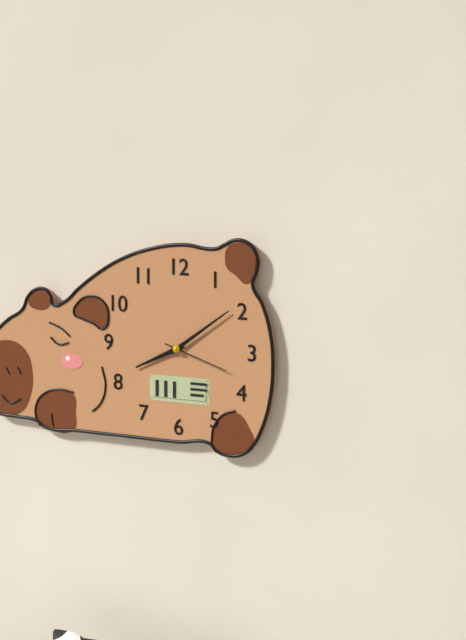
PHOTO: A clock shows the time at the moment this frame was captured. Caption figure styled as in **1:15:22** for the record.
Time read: **8:09:18**
